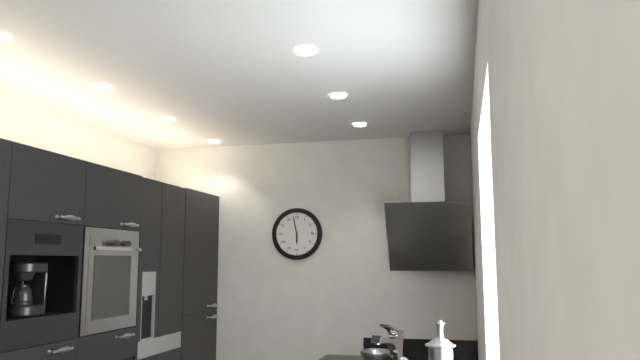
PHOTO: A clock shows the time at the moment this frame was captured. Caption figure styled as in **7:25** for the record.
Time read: **5:58**
